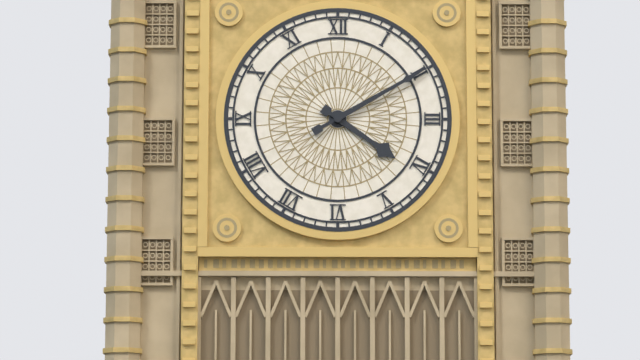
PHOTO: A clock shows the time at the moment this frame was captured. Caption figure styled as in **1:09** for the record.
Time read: **4:10**
